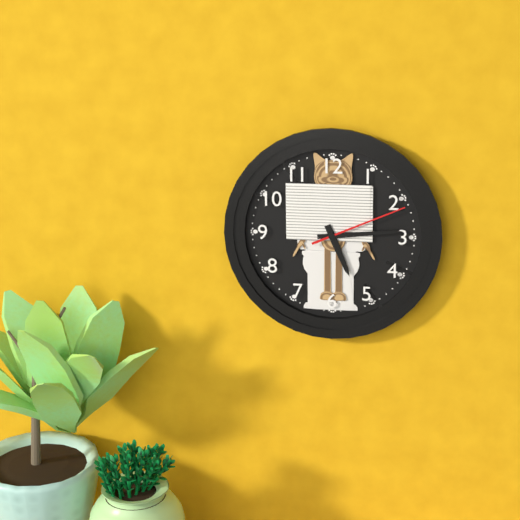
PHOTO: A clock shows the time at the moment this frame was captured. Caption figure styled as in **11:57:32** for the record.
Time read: **5:14:11**
